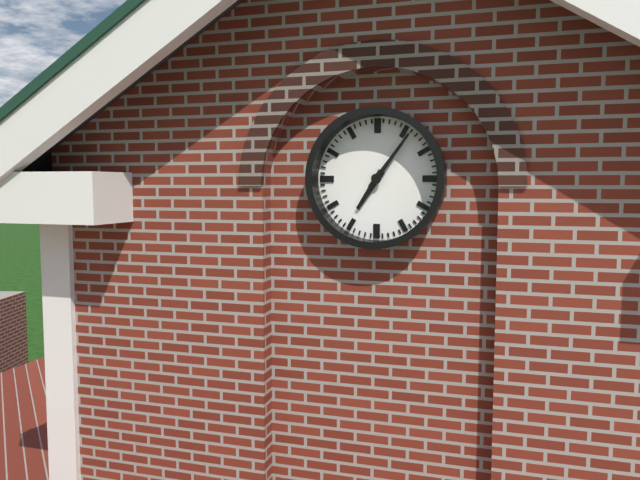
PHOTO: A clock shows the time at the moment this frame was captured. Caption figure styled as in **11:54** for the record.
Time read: **7:06**
